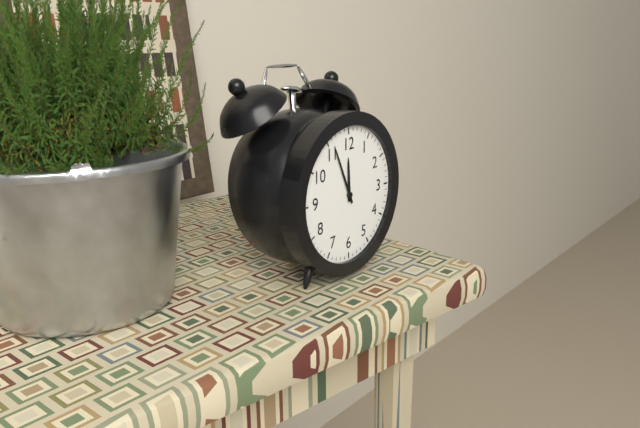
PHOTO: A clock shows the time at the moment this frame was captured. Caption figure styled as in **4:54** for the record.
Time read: **11:56**
